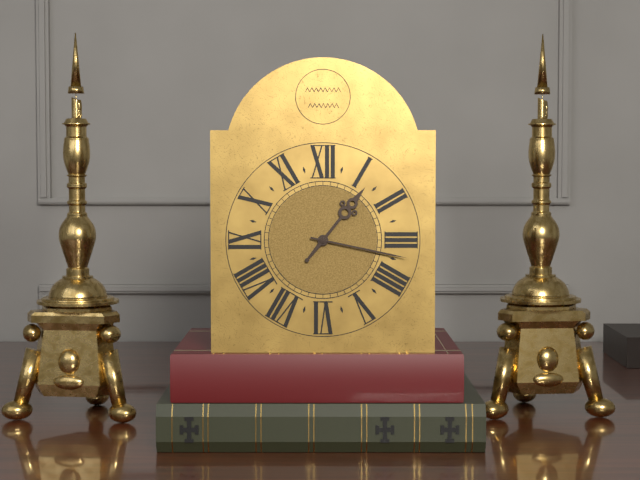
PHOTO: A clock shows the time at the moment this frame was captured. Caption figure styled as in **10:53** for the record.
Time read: **1:17**
